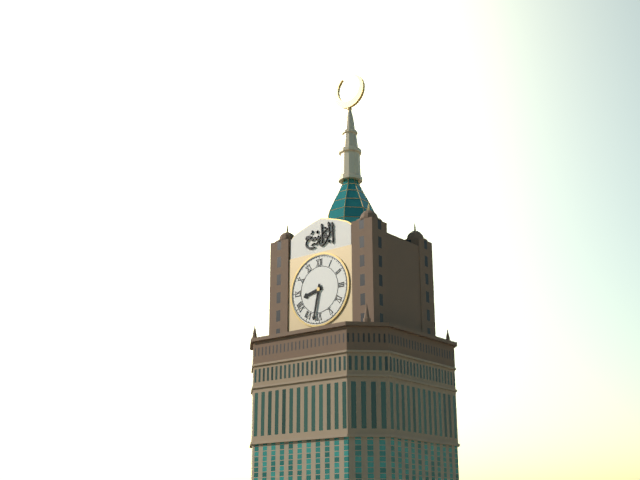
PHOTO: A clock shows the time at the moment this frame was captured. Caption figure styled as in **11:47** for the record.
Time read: **8:32**
